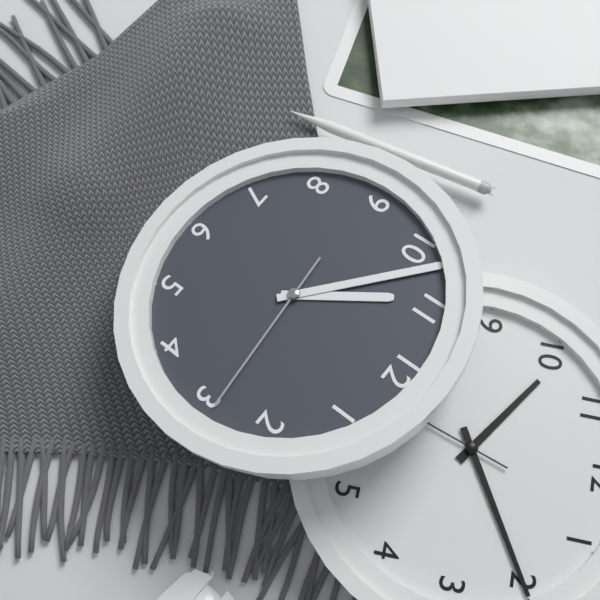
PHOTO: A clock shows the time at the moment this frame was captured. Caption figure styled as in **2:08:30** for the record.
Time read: **10:52:14**
